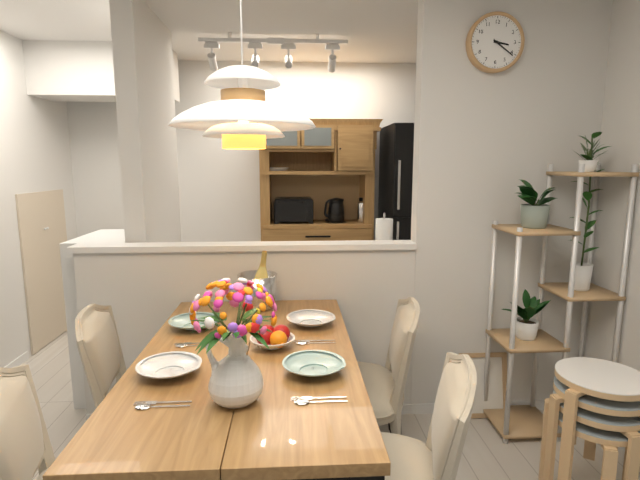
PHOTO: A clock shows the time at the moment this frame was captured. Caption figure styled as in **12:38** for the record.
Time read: **3:21**
